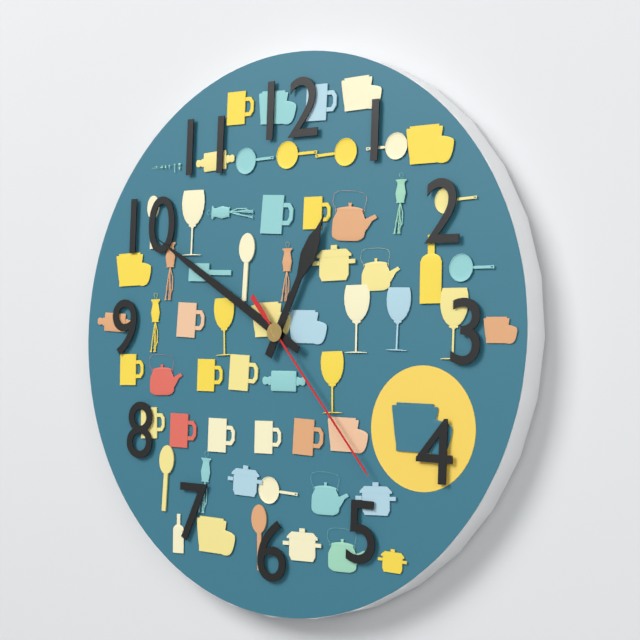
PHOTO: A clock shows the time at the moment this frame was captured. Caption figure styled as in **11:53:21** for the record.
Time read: **12:50:23**
